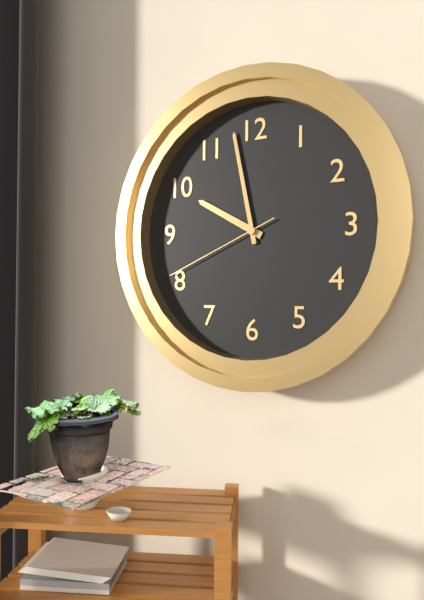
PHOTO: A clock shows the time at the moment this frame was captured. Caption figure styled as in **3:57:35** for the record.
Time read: **9:58:41**
